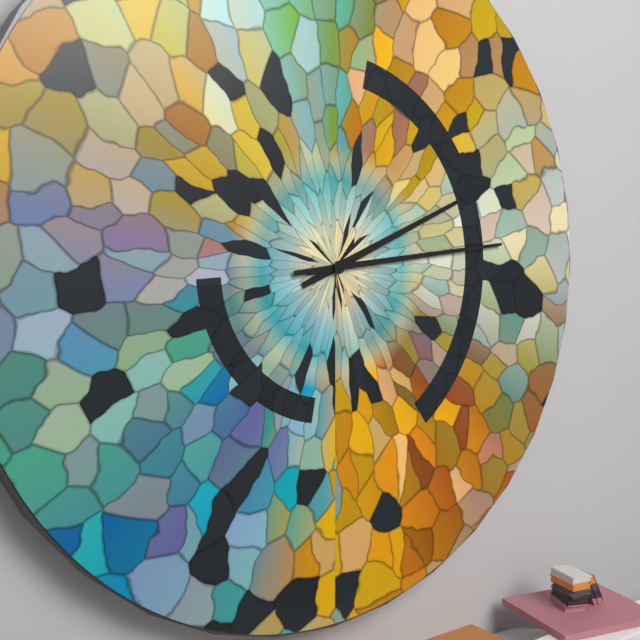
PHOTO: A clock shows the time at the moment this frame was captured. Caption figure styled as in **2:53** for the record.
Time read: **2:14**
